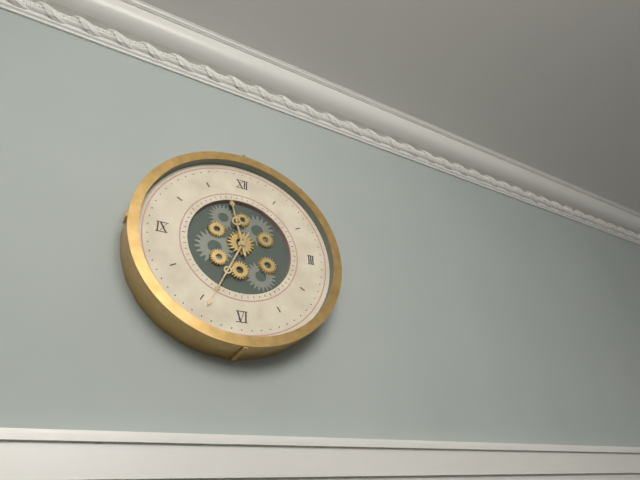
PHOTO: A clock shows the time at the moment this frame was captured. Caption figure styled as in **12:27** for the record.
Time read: **11:34**
